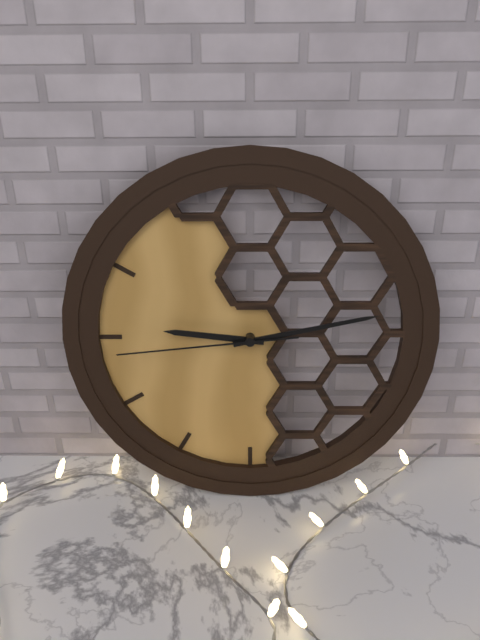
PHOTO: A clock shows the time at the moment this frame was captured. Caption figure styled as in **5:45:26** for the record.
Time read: **9:13:44**
